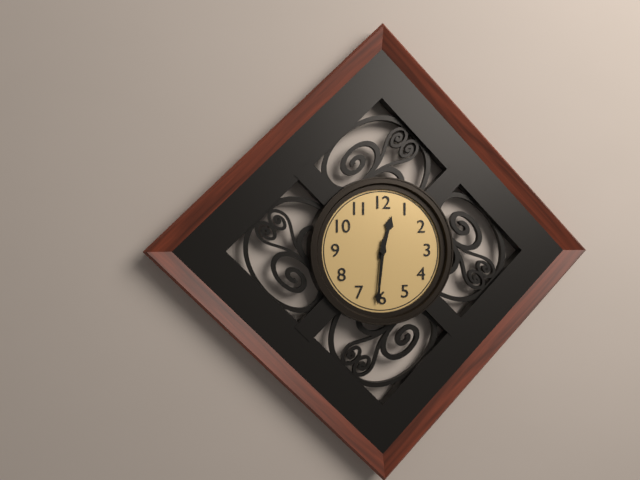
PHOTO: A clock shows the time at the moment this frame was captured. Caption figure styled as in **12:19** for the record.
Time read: **12:31**
